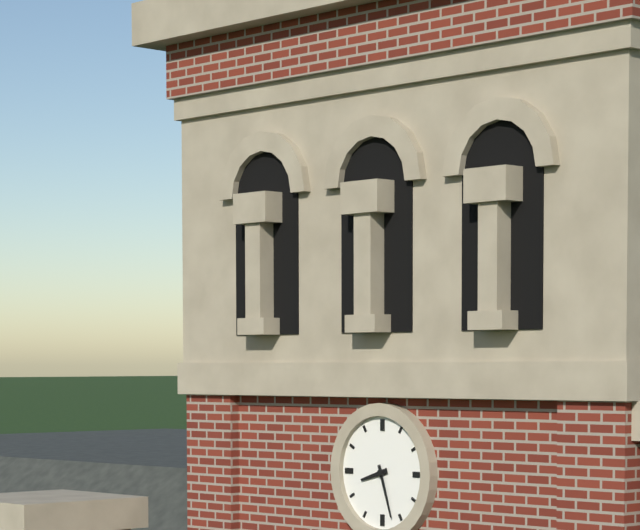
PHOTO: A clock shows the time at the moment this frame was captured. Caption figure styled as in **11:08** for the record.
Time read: **8:27**
